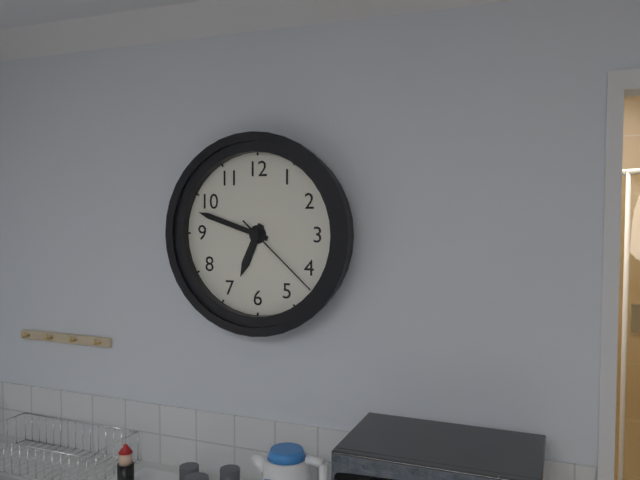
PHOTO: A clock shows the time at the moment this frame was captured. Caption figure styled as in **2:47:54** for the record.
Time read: **6:48:22**
